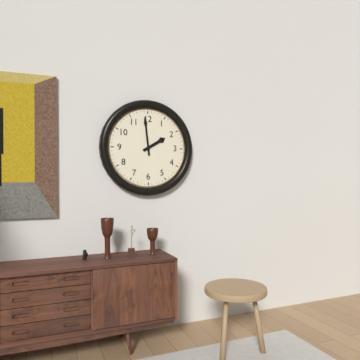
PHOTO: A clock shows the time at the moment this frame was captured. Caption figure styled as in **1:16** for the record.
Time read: **1:59**
